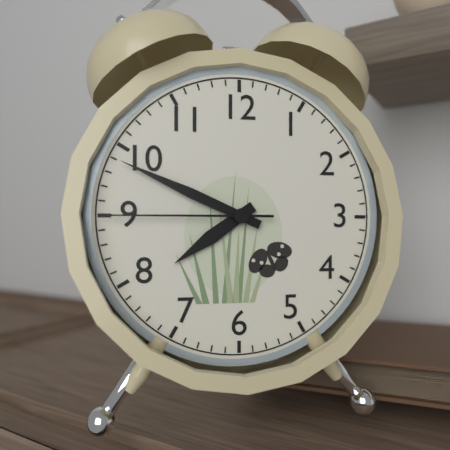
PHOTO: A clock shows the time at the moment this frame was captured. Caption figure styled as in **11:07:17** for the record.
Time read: **7:49:45**
